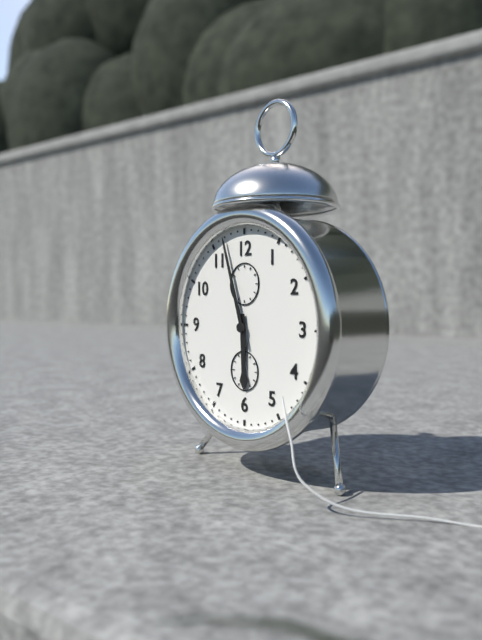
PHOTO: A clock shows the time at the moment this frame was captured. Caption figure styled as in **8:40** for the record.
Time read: **5:57**
